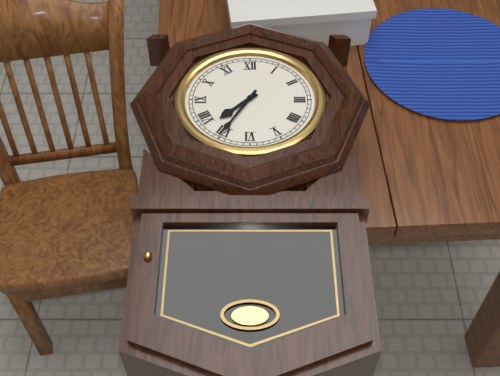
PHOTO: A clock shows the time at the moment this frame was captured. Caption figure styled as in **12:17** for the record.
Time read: **7:35**
